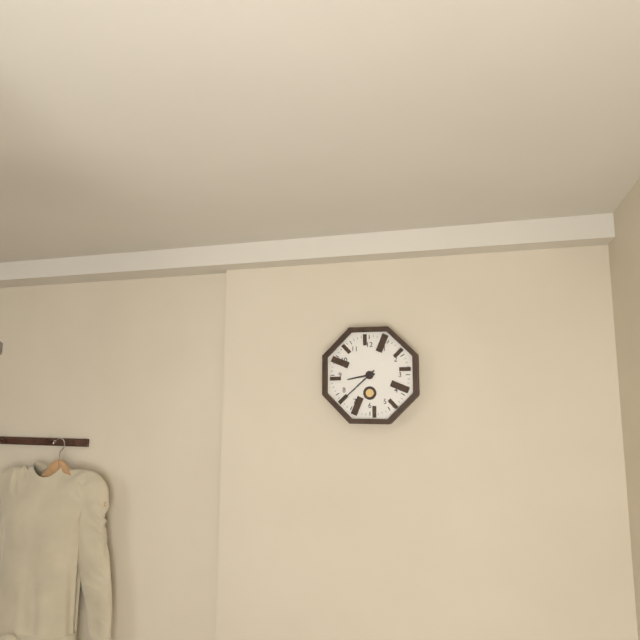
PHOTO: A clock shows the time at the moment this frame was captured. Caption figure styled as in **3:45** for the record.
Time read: **8:38**
